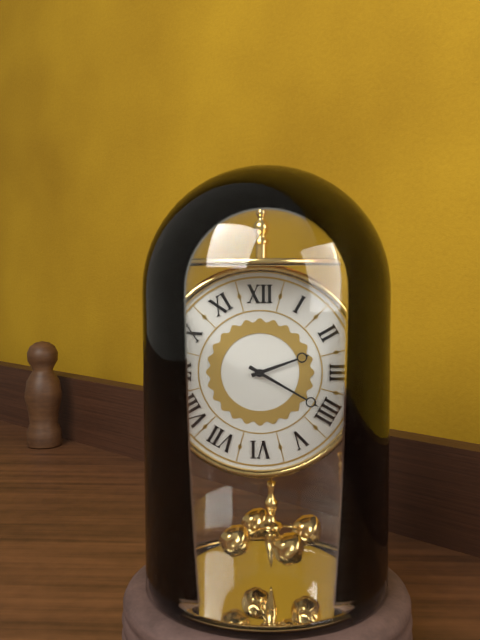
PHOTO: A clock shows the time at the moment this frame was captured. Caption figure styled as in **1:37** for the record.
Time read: **2:20**
